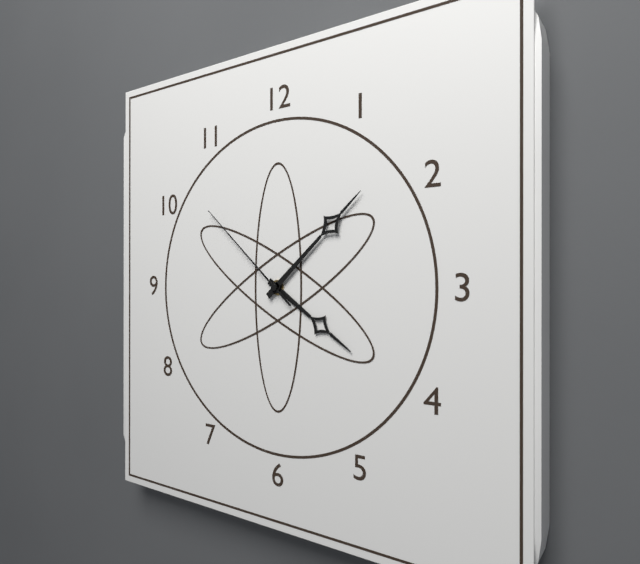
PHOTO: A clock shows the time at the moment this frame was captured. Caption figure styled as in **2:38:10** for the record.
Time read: **4:08:52**
